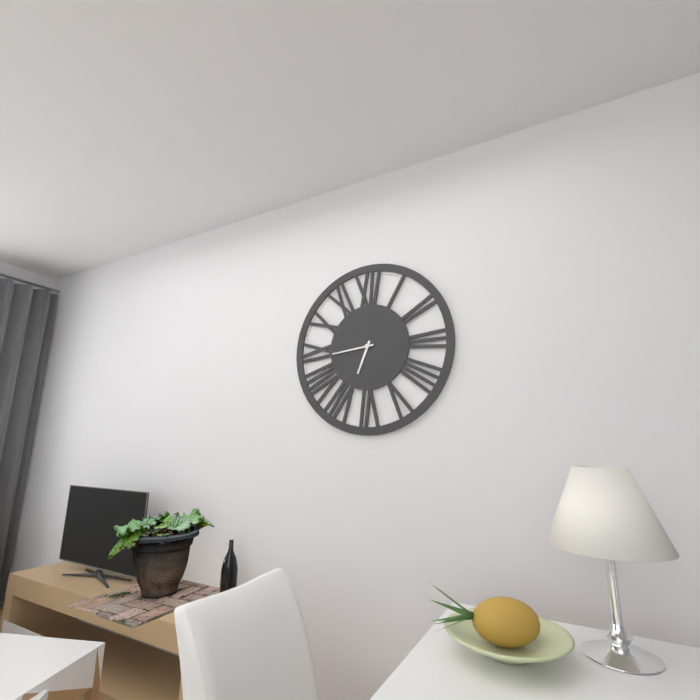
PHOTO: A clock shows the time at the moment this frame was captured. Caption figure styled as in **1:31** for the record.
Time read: **6:44**
